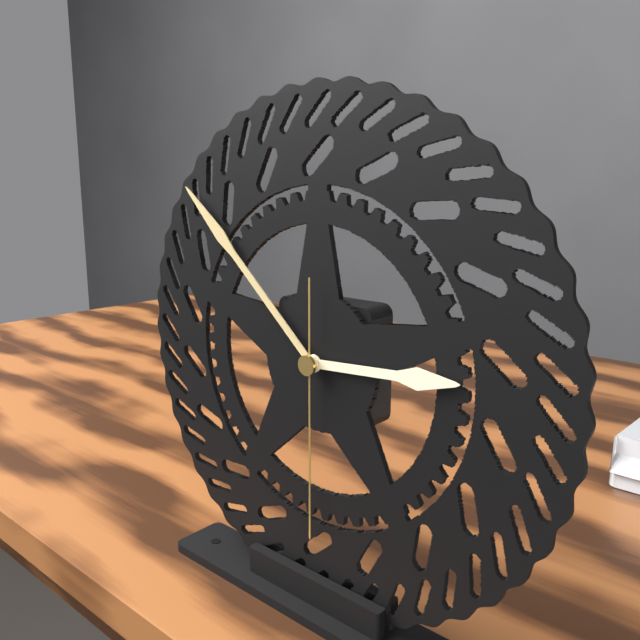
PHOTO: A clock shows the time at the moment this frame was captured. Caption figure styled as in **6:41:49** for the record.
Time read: **2:52:30**
